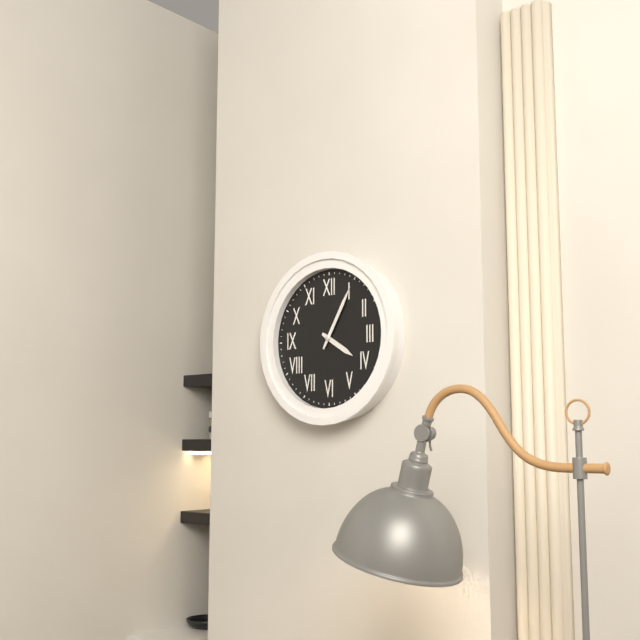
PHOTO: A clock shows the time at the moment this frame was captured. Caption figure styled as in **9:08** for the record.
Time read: **4:05**
